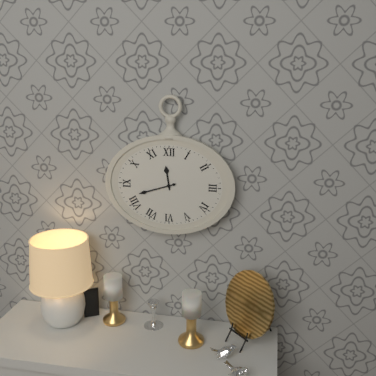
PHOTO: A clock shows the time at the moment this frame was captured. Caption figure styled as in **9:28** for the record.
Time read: **11:42**
